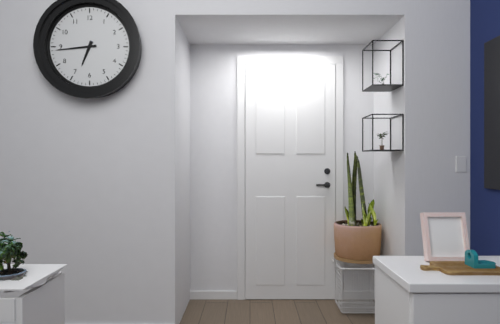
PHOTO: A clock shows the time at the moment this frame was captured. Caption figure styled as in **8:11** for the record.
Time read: **6:44**
